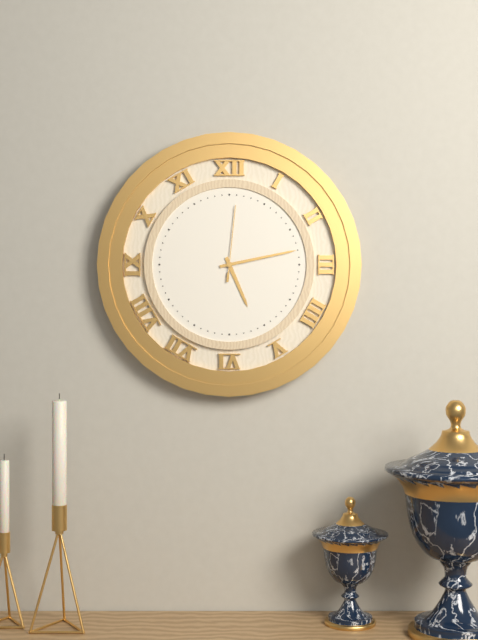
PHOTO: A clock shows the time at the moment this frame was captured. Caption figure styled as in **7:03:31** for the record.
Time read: **5:13:01**
